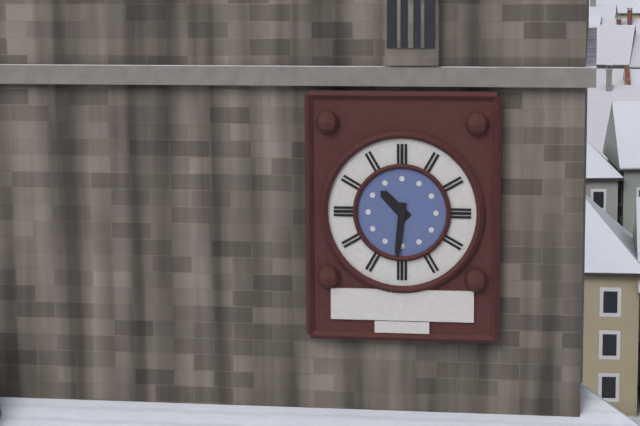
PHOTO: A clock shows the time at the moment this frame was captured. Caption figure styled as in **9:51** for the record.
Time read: **10:31**
